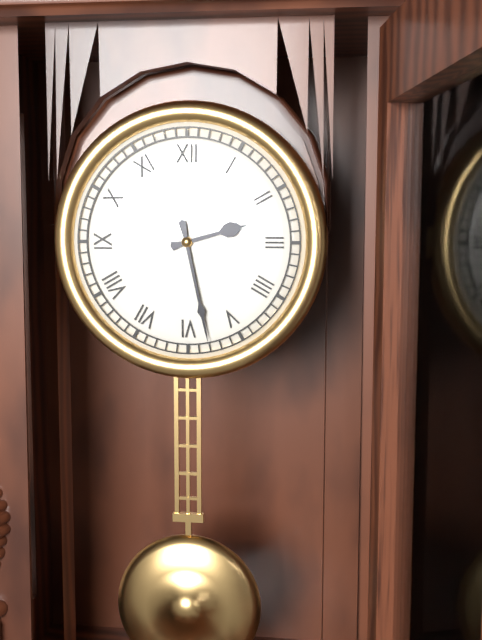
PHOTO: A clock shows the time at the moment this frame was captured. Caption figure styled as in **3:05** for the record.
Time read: **2:28**
